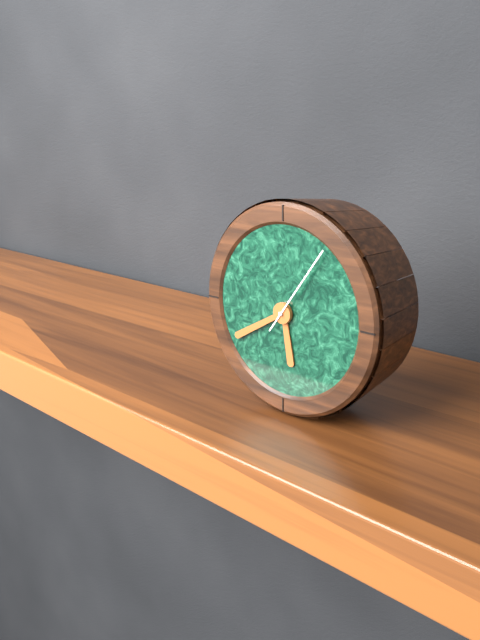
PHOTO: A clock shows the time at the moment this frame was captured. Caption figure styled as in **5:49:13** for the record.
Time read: **5:40:06**
